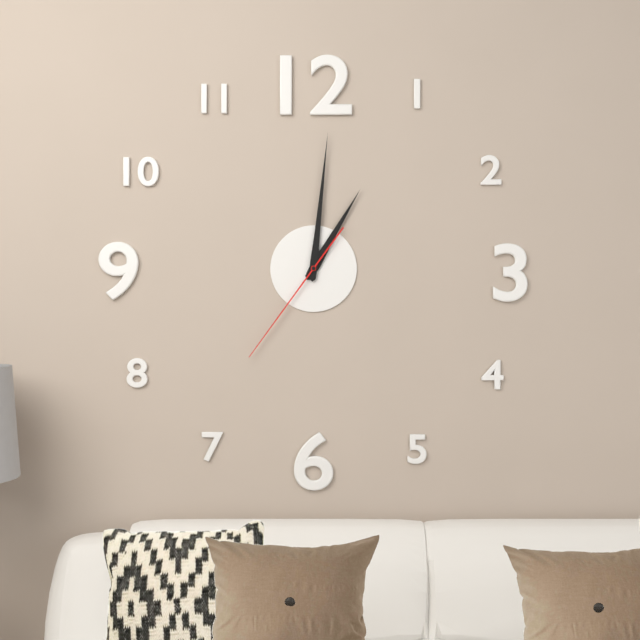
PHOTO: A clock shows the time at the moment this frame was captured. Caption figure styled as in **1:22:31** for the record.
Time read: **1:01:36**
